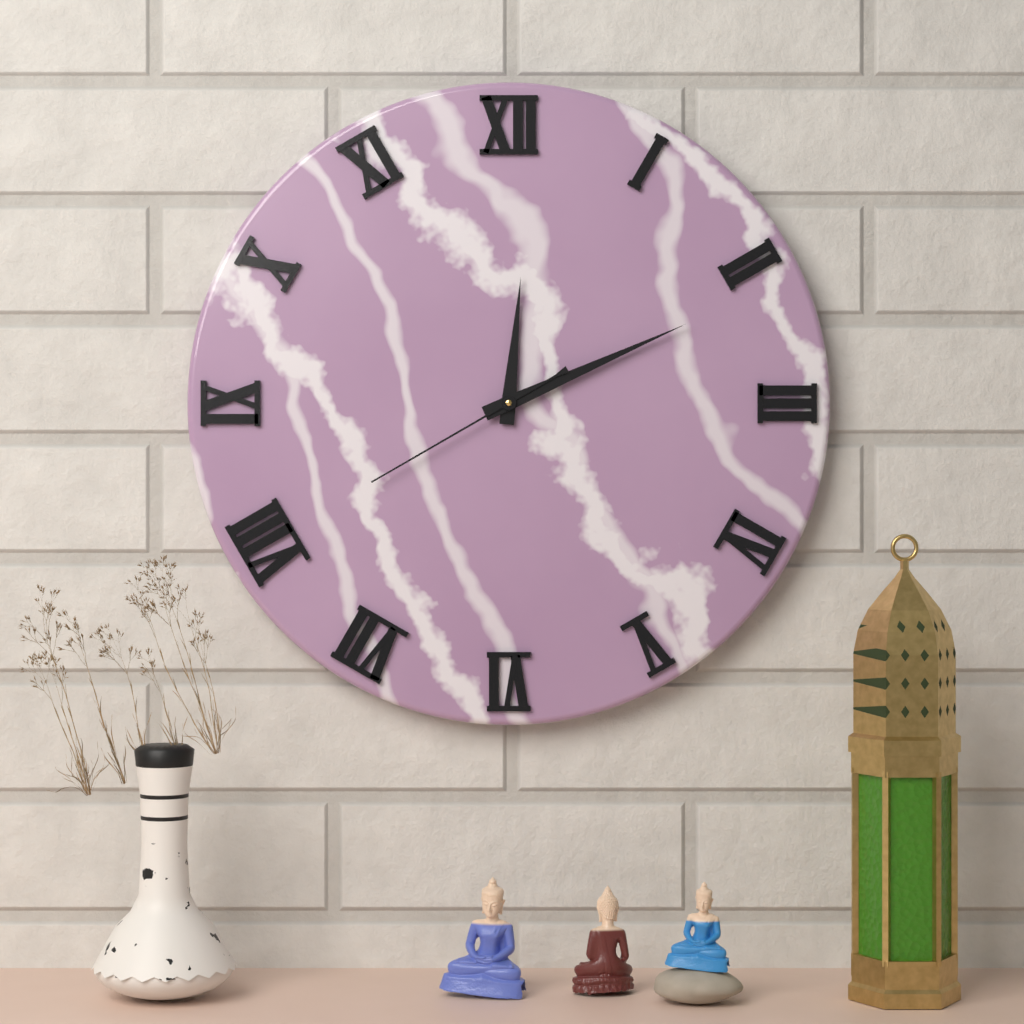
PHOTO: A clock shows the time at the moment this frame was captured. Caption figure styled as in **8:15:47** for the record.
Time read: **12:11:40**
